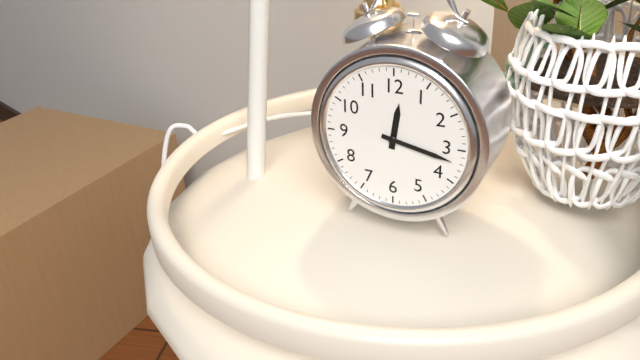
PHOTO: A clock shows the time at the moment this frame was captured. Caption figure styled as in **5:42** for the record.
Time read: **12:17**
